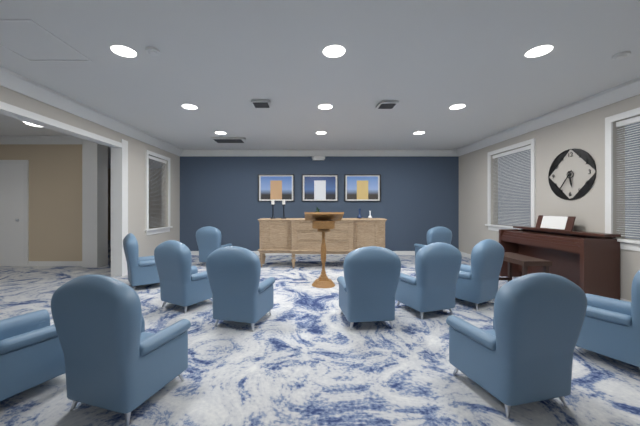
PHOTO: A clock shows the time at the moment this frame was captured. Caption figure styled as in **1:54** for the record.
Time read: **5:36**
